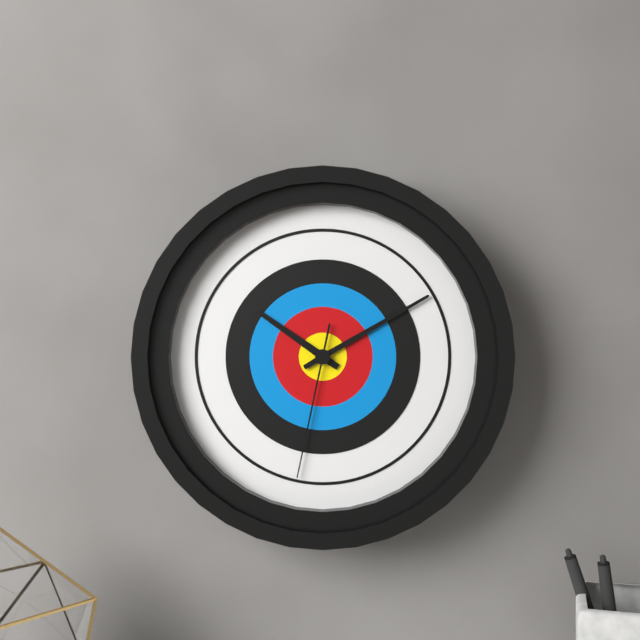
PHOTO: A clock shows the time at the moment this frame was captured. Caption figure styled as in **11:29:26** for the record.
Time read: **10:10:32**
